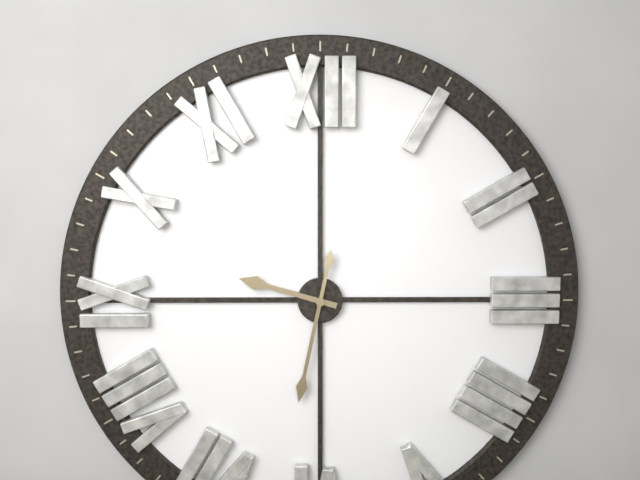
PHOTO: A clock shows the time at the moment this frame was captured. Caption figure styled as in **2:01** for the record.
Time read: **9:32**
